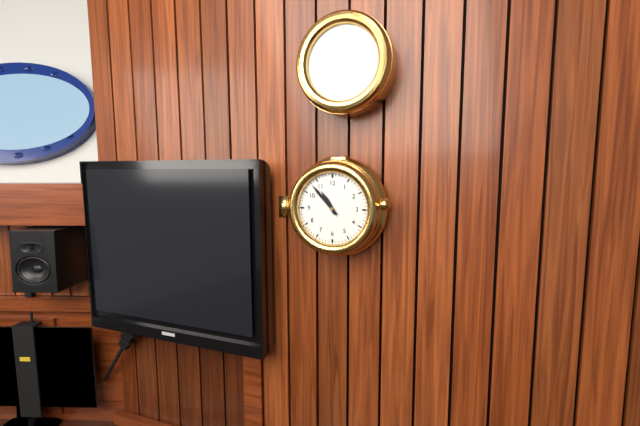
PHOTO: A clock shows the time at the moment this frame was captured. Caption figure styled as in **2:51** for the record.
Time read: **10:53**
